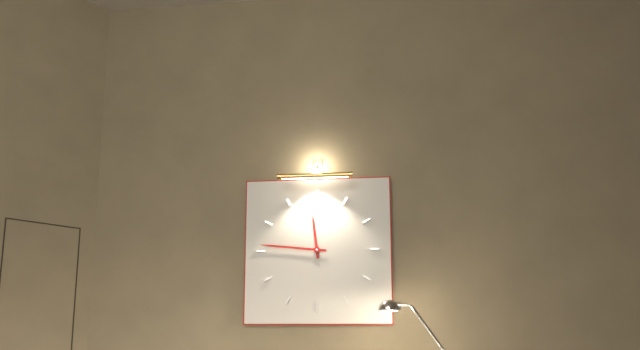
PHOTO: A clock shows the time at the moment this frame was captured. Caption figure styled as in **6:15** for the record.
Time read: **11:46**
